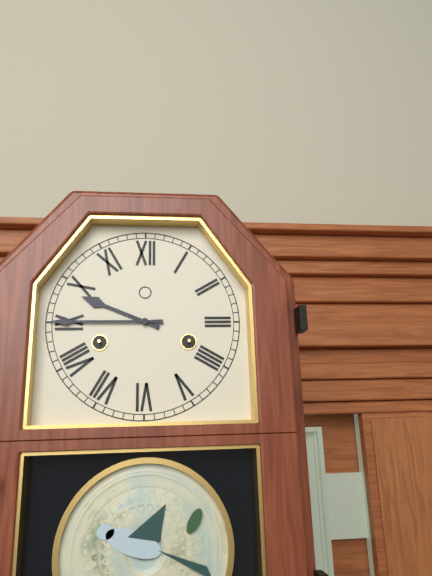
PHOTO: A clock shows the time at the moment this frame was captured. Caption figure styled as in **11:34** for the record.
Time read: **9:45**
